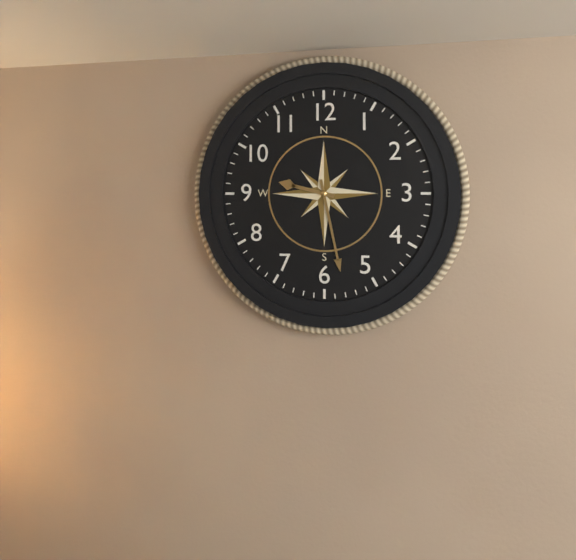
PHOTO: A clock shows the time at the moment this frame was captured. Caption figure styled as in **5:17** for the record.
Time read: **9:28**
